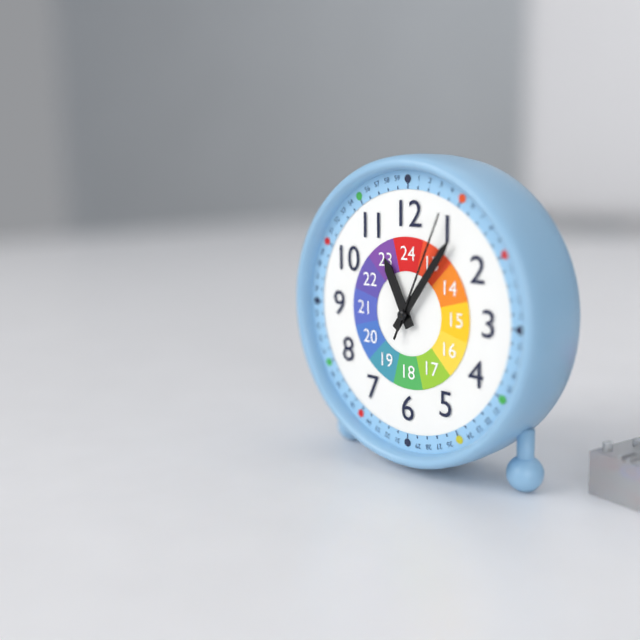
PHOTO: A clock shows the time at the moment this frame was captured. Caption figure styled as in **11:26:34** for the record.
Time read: **11:06:04**
